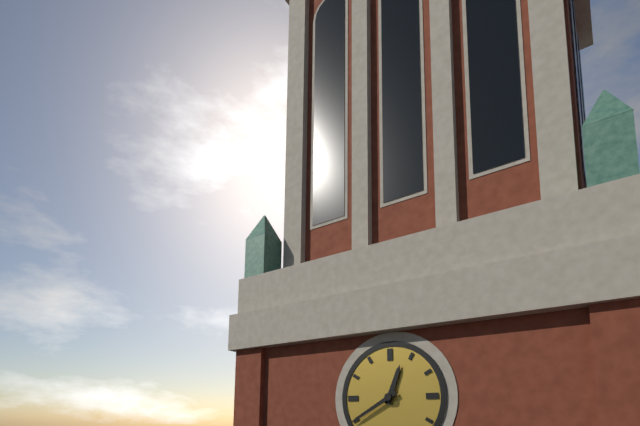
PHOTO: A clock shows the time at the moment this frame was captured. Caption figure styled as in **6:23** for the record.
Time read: **12:40**
